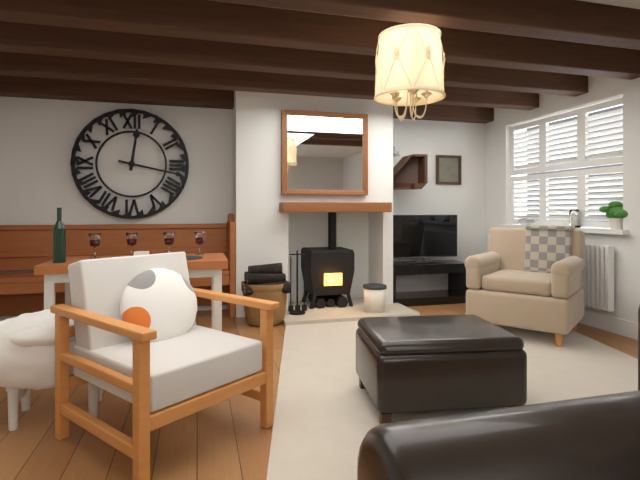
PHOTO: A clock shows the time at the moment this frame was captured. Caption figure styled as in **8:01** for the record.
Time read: **12:17**
